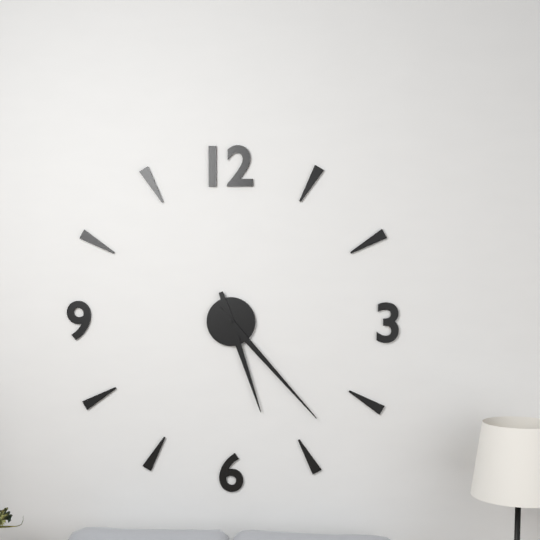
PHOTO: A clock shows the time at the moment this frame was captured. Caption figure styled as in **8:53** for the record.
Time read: **5:23**
